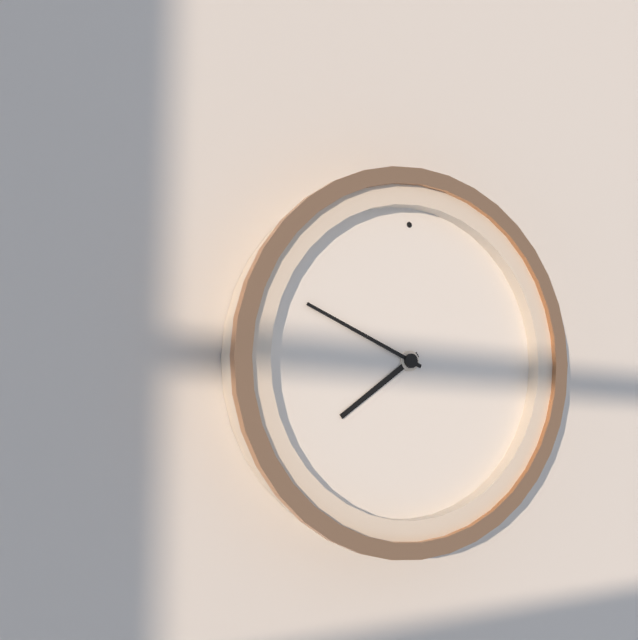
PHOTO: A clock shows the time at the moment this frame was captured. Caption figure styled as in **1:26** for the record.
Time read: **7:49**
